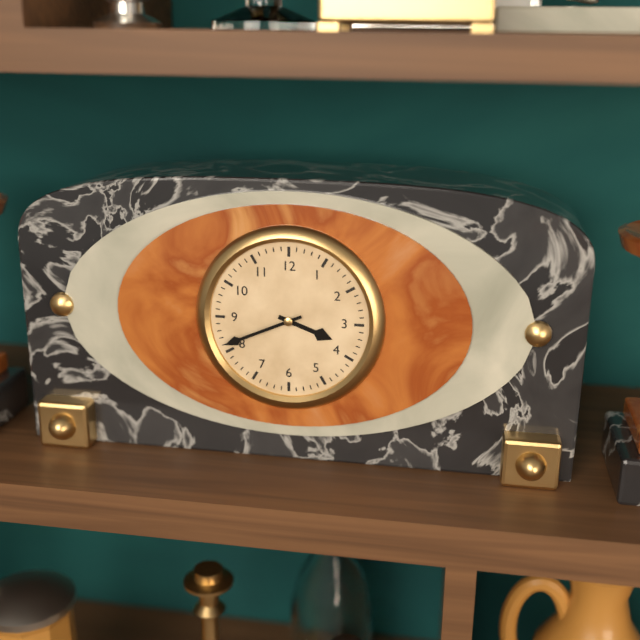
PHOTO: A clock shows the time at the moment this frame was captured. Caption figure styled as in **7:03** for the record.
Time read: **3:41**
